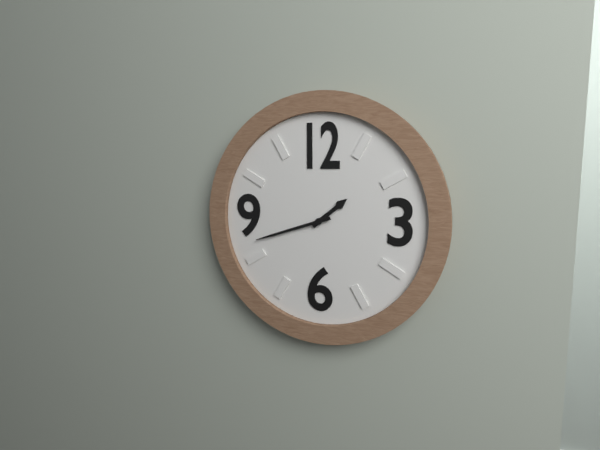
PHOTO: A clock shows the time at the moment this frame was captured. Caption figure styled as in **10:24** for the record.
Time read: **1:42**
